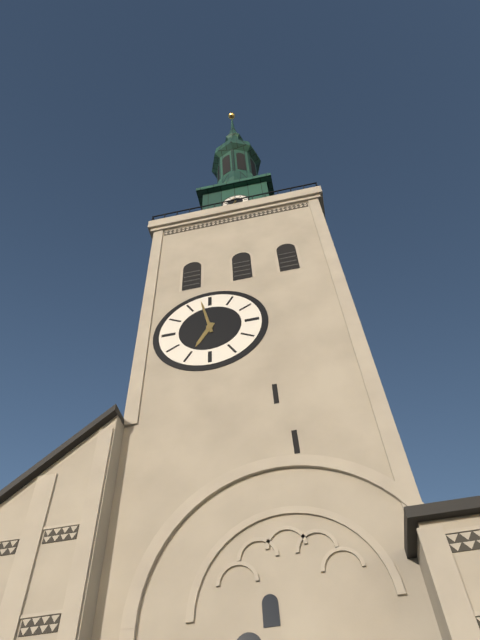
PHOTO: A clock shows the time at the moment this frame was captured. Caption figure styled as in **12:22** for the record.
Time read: **6:58**
